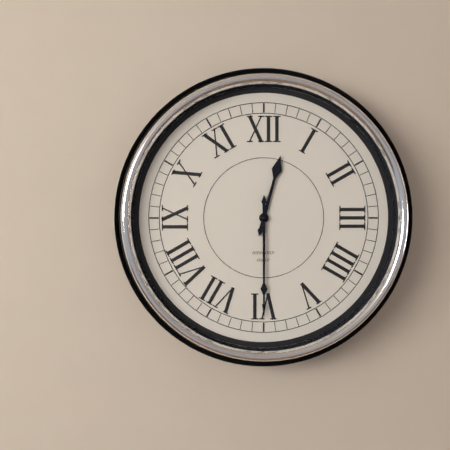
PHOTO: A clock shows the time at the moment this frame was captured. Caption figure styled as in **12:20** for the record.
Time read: **12:30**
